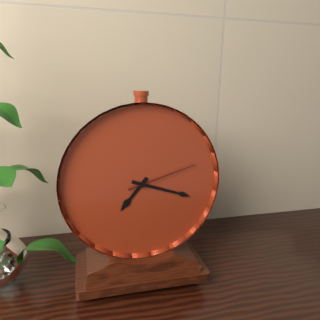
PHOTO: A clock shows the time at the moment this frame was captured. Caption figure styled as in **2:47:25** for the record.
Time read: **7:18:12**
